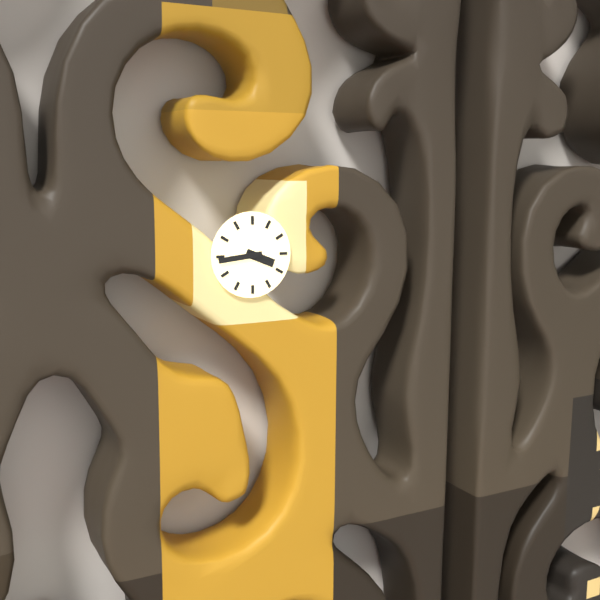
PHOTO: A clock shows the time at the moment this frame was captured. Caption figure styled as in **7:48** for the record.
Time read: **3:44**
